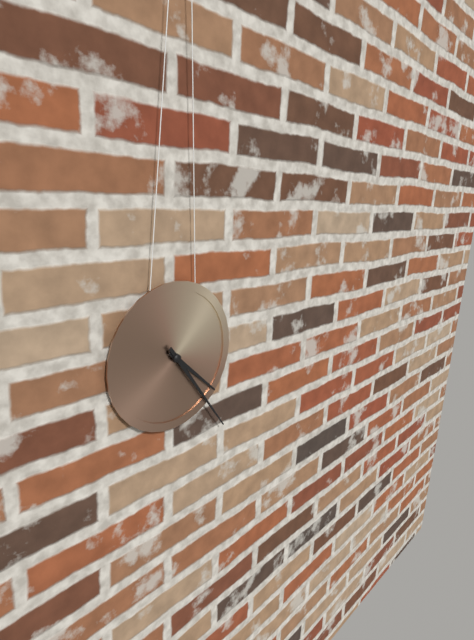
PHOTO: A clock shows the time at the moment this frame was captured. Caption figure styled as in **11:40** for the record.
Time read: **4:24**
